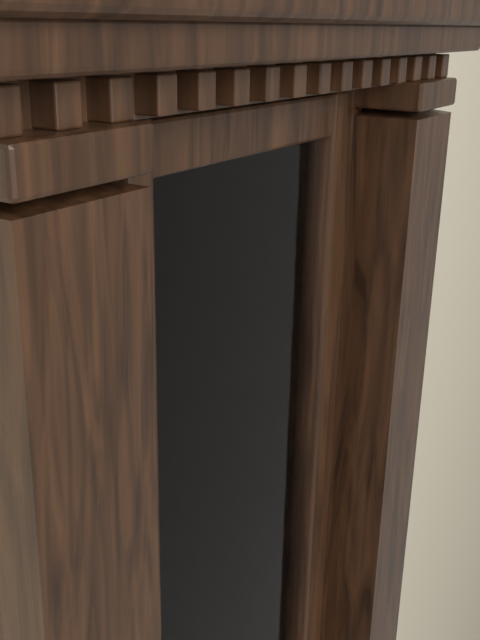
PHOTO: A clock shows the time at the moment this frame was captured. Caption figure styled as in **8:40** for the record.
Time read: **12:38**
